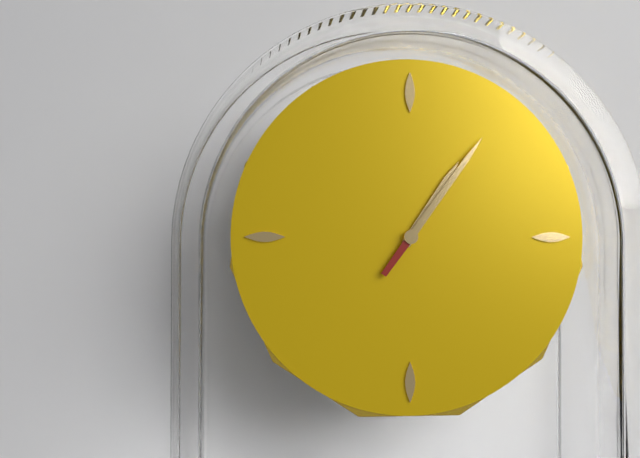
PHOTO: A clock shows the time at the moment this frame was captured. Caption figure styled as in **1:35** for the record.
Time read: **1:06**
